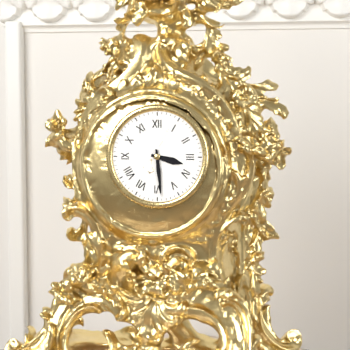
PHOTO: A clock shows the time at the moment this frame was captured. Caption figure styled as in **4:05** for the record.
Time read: **3:29**
